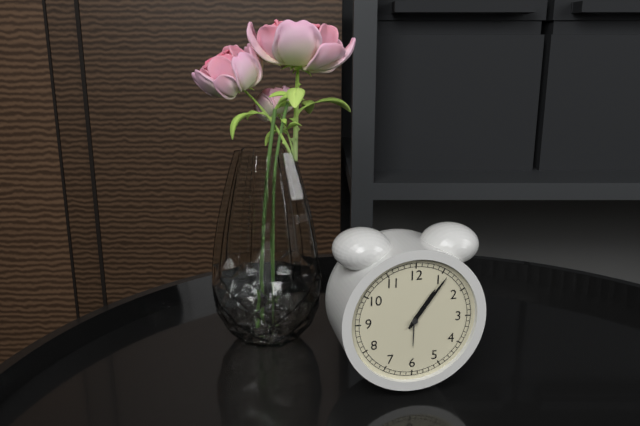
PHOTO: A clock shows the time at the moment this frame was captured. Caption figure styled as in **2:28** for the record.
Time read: **1:06**
